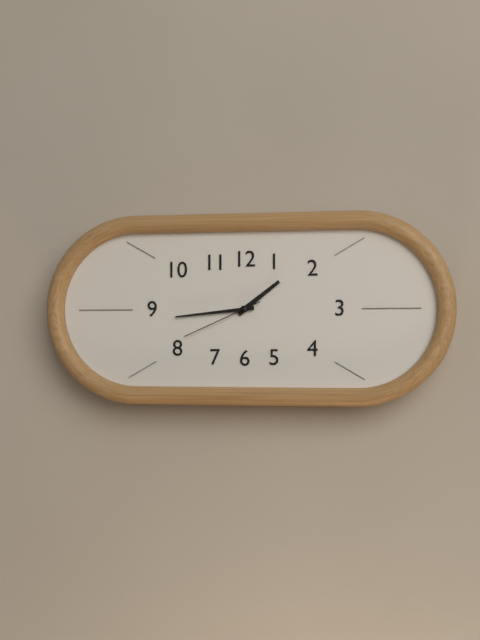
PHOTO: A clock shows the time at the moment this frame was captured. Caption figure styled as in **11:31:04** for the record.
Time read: **1:44:41**
